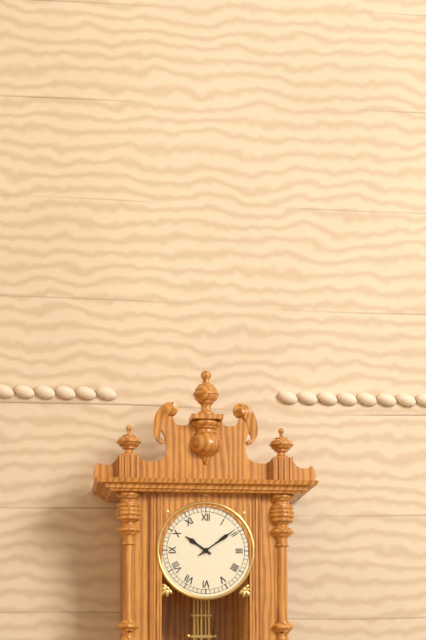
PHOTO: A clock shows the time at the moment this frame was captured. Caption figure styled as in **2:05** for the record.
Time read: **10:09**
